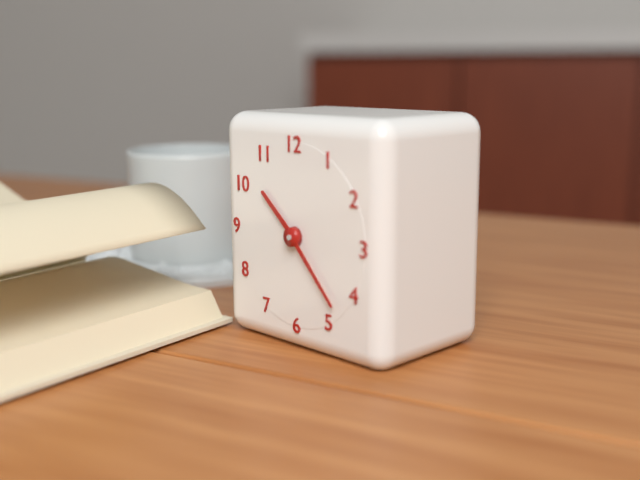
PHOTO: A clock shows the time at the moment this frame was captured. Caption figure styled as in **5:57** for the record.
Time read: **10:23**
